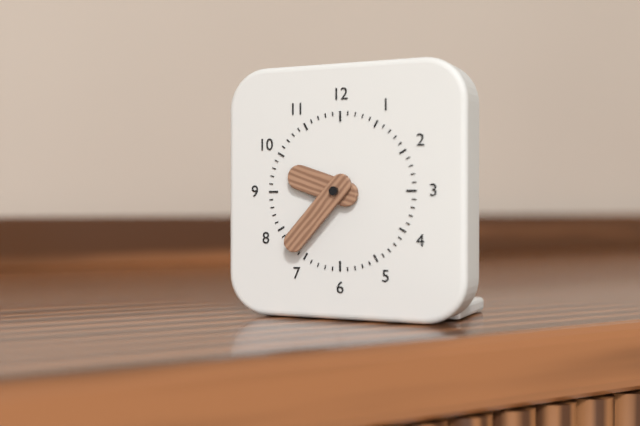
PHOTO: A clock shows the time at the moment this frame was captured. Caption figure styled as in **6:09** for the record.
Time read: **9:37**
